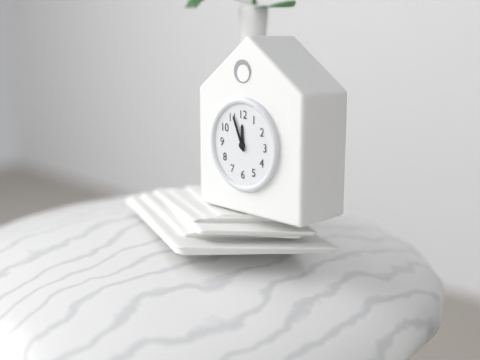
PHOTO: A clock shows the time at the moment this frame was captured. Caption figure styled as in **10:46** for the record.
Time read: **11:56**
